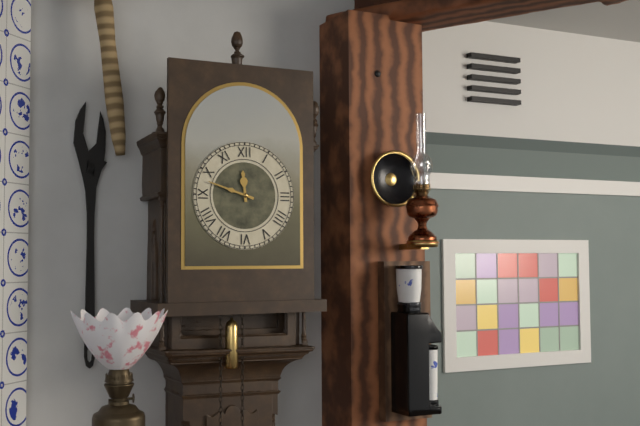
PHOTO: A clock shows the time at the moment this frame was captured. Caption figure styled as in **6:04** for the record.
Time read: **11:48**
